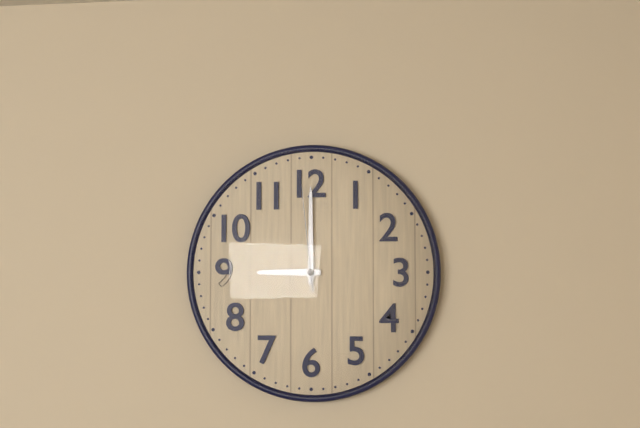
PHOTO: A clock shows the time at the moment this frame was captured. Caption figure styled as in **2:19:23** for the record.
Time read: **9:00:59**
